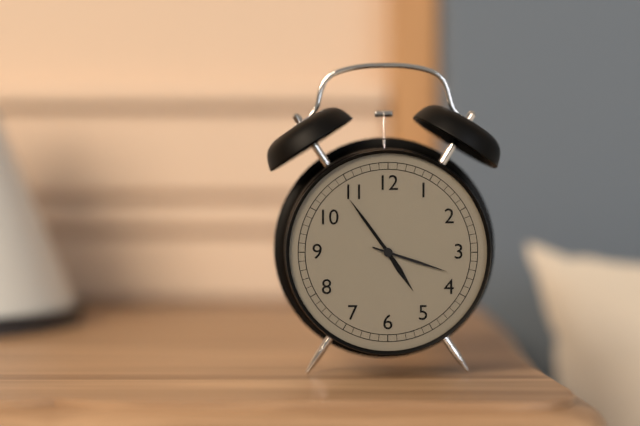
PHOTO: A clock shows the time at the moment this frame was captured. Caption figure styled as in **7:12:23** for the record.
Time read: **4:54:18**
